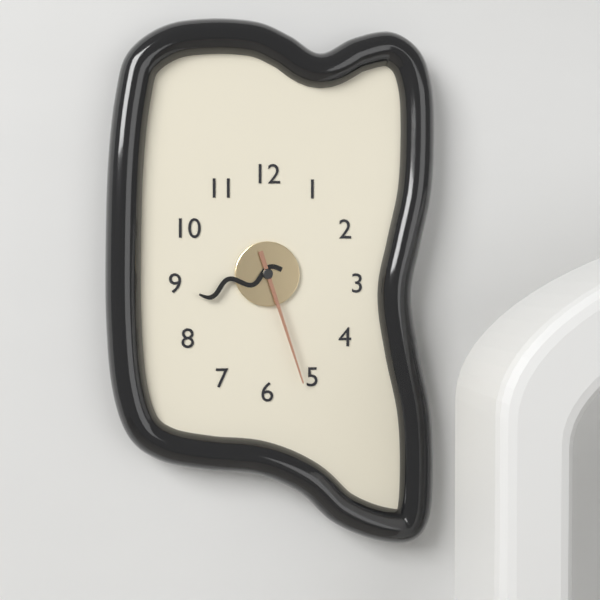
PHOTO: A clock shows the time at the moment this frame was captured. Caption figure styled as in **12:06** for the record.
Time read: **8:27**
